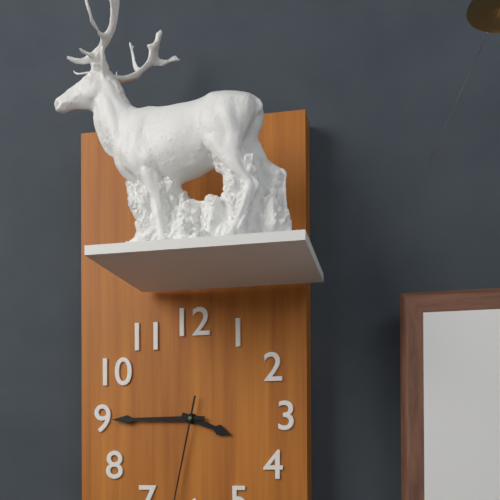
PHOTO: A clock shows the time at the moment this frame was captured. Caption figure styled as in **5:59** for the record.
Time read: **3:45**
